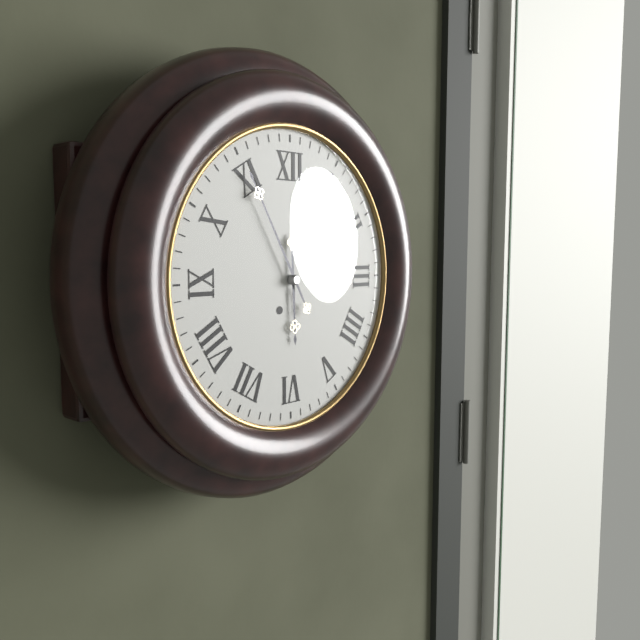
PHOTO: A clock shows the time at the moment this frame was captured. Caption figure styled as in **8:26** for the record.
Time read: **5:55**
